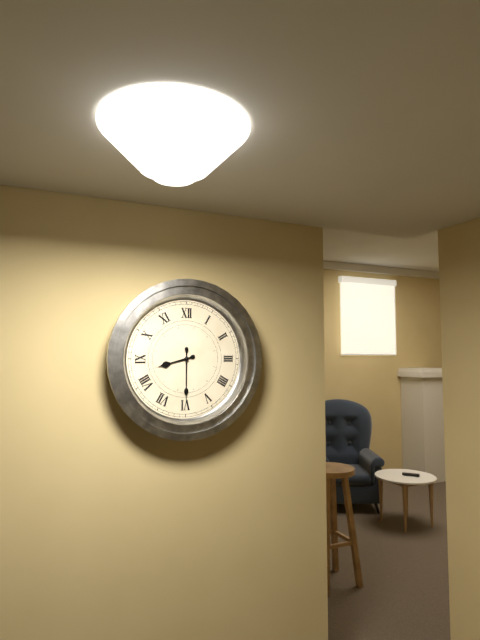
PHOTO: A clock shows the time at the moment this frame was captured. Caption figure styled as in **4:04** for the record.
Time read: **8:30**
